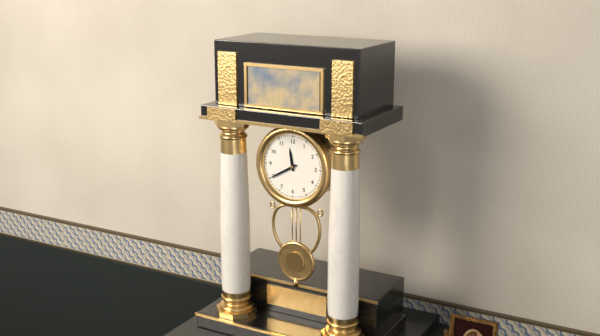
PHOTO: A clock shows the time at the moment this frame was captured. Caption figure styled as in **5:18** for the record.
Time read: **11:40**
